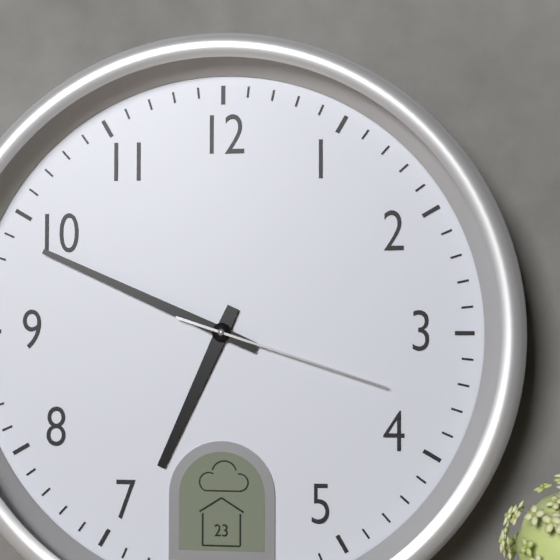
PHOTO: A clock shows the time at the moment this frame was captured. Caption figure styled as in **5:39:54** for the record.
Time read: **6:49:18**
